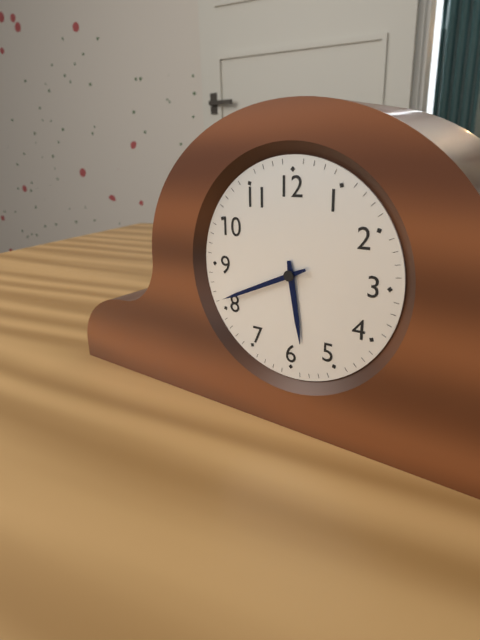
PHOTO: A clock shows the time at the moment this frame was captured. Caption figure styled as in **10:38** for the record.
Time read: **5:41**
